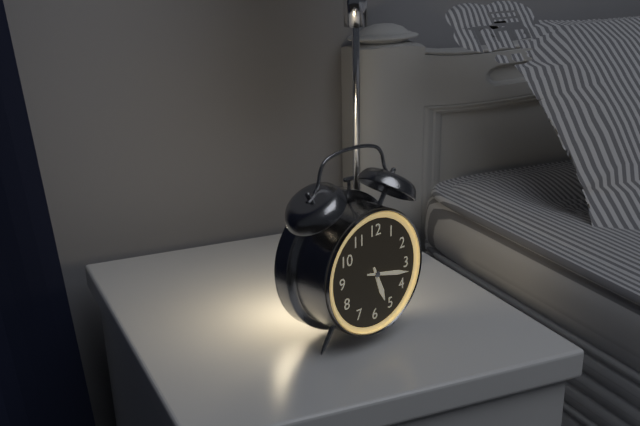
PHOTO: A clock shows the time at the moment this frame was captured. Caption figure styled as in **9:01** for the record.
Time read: **5:17**
